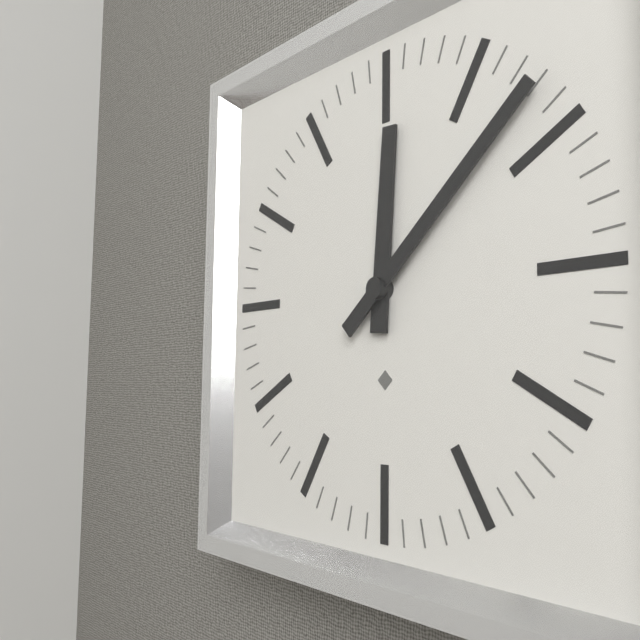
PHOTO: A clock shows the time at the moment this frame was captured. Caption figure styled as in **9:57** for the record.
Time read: **12:08**
